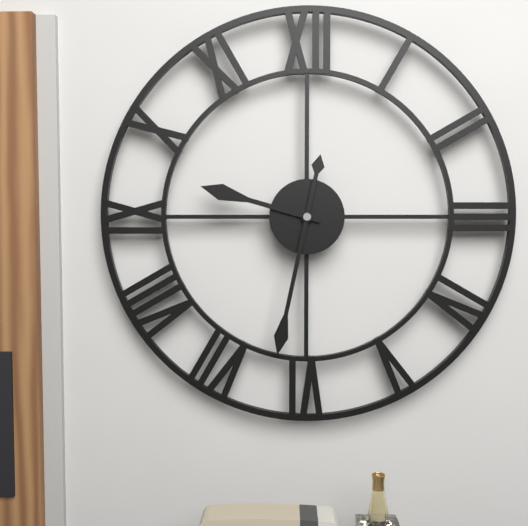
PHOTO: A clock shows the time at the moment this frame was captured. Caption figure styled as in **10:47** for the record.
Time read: **9:32**
